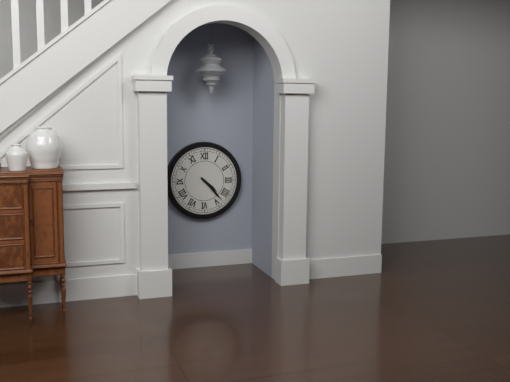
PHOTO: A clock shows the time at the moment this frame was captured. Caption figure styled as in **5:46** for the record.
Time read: **4:23**
